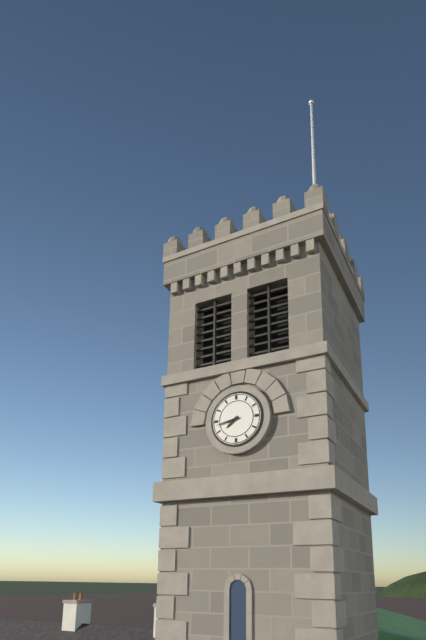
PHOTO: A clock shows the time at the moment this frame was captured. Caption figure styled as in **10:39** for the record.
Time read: **7:43**
